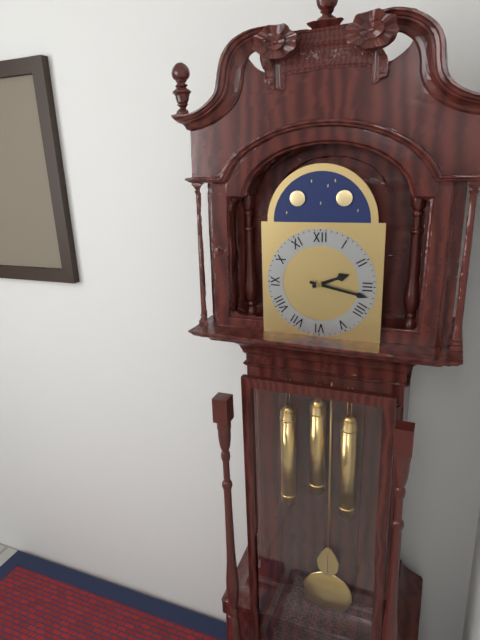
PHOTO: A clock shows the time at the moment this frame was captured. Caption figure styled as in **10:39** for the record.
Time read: **2:17**
